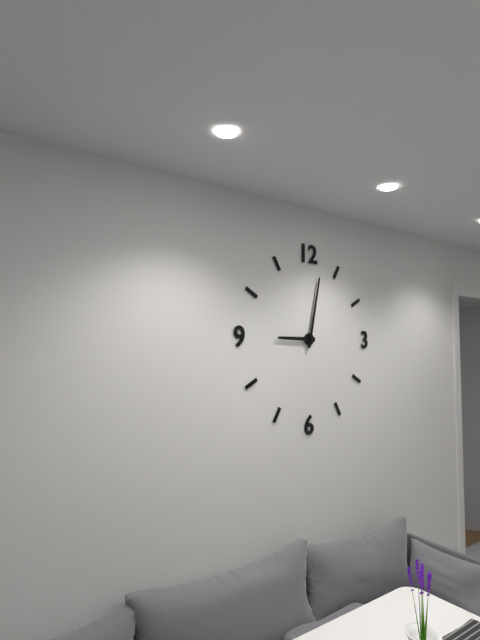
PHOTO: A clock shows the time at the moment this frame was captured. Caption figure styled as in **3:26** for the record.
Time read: **9:02**
